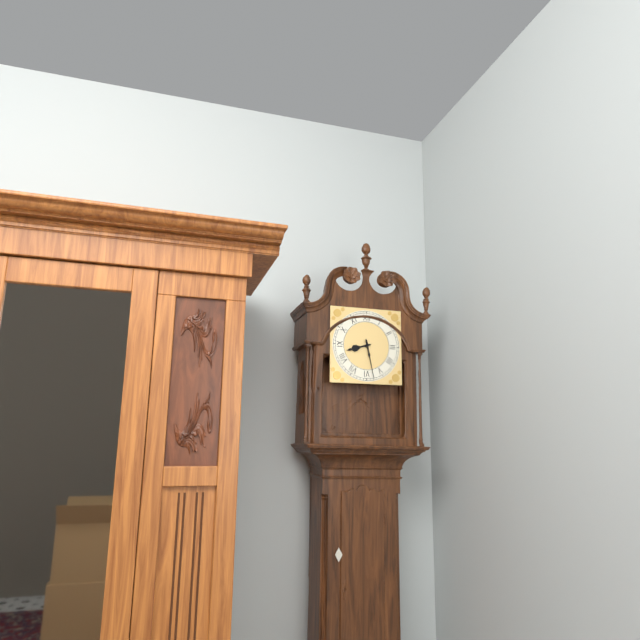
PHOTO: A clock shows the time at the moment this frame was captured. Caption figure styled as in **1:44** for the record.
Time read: **8:28**
